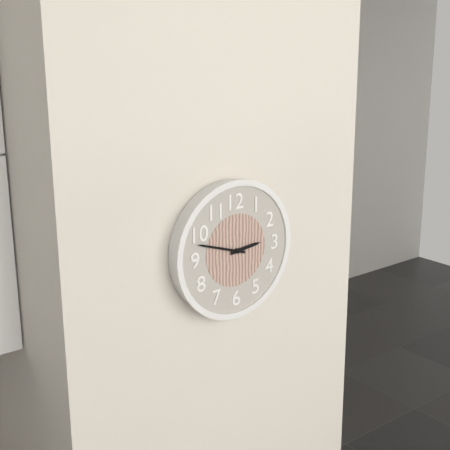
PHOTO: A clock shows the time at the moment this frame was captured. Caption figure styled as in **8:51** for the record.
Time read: **2:48**
